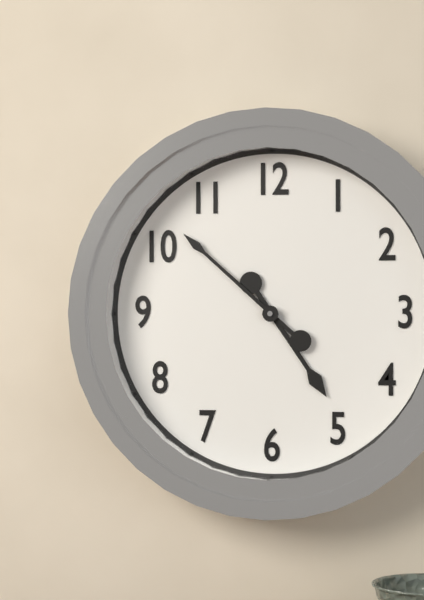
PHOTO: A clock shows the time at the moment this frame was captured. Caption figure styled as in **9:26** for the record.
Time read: **4:52**
